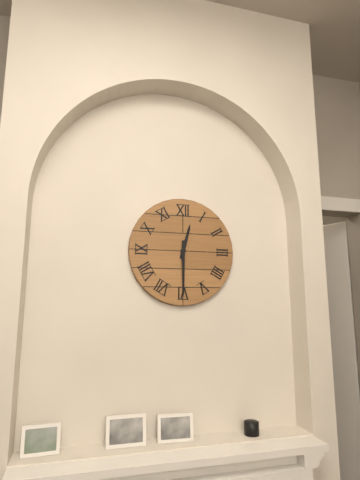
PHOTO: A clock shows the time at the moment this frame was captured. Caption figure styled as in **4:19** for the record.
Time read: **12:30**
